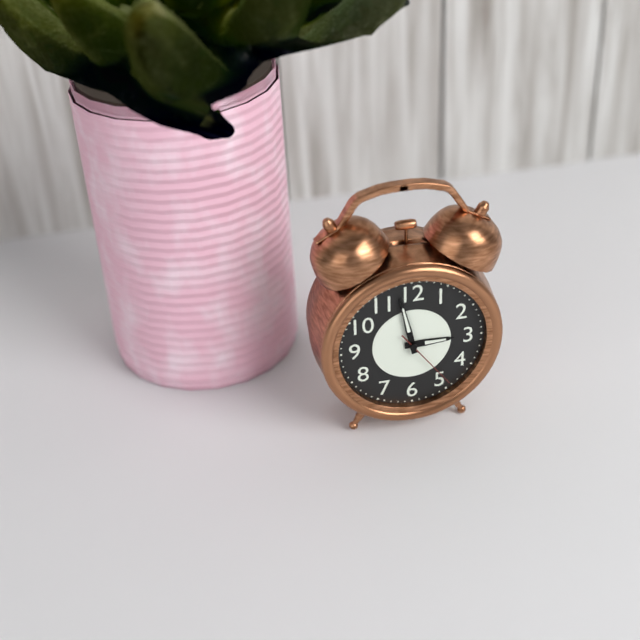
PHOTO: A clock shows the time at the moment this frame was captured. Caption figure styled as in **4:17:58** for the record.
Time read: **2:58:24**
